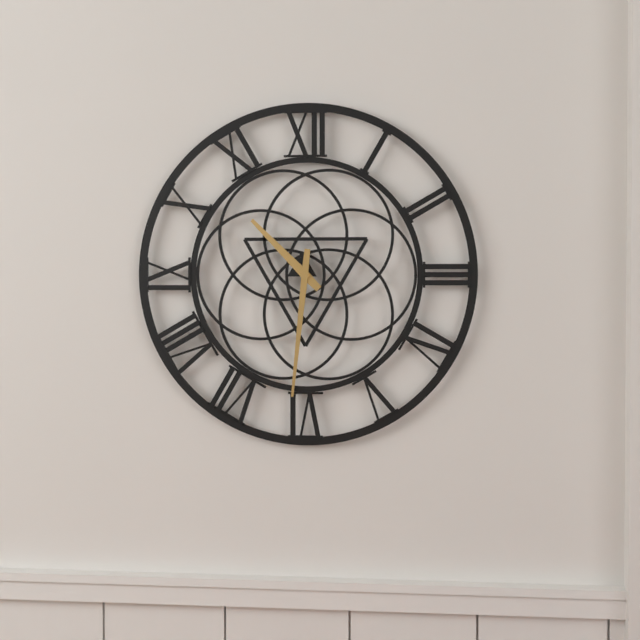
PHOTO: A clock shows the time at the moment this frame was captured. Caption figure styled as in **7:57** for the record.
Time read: **10:31**
